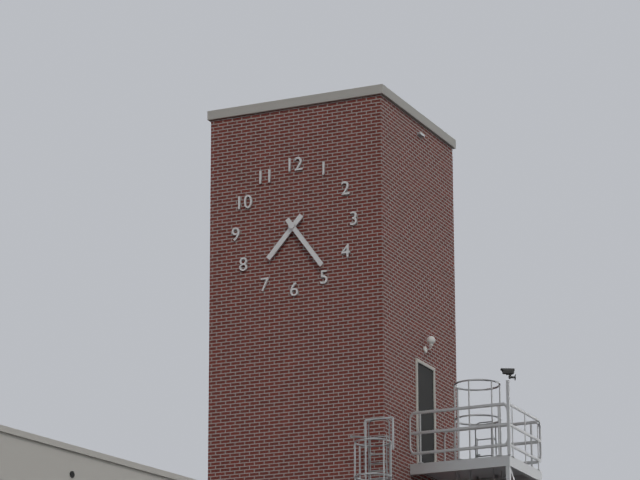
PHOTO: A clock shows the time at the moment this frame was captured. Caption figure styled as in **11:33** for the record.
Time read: **7:24**
